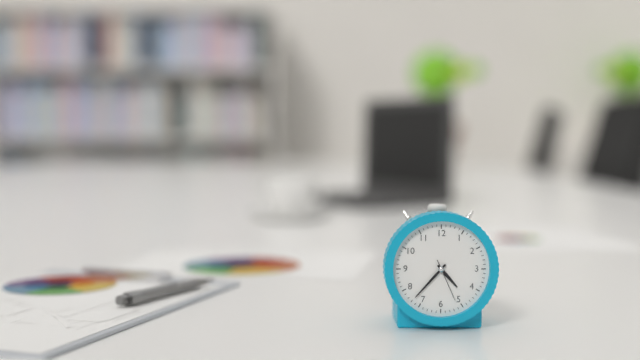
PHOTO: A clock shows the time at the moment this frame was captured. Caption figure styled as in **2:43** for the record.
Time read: **4:37**
